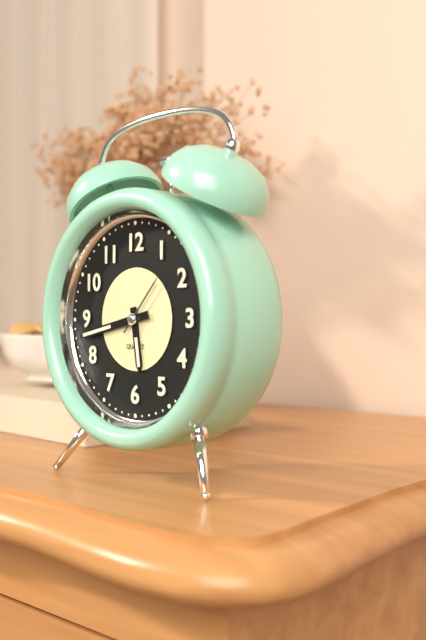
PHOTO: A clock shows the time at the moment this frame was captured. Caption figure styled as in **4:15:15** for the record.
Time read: **5:43:07**
